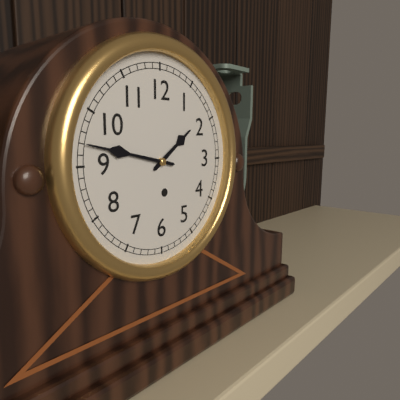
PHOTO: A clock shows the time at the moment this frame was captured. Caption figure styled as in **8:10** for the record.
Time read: **1:47**
